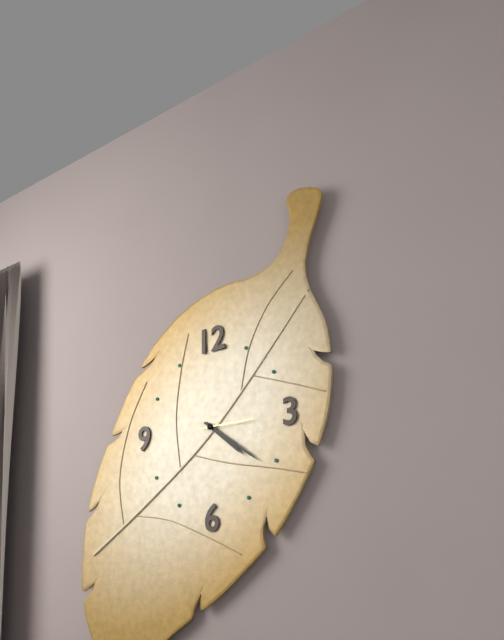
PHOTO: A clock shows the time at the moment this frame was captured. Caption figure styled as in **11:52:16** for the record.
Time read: **4:21:15**
